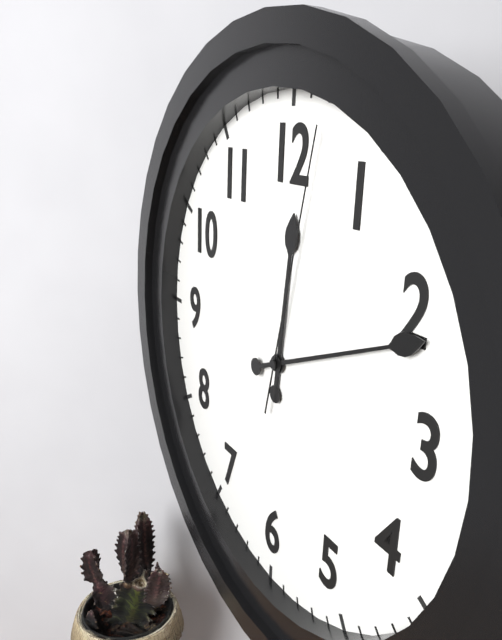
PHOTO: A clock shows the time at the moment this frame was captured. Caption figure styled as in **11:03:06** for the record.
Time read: **12:11:02**
